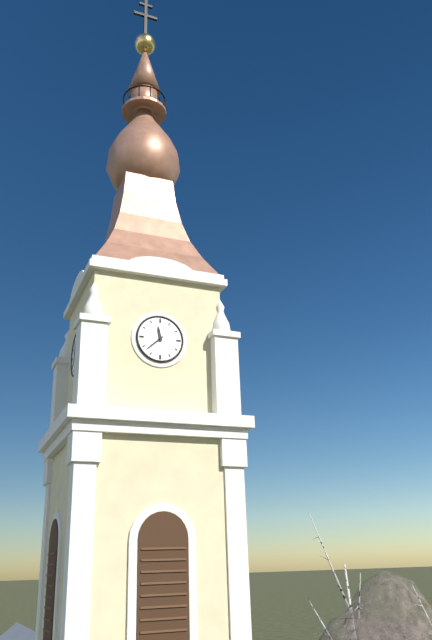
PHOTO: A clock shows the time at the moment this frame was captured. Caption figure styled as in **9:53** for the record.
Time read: **11:38**
